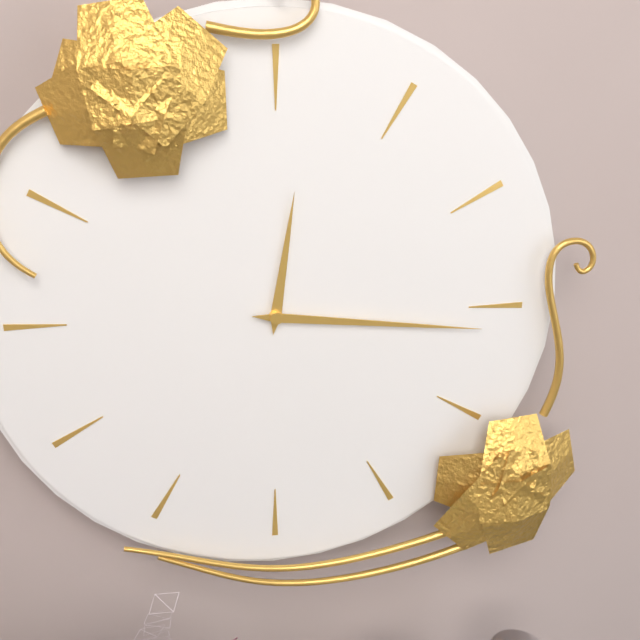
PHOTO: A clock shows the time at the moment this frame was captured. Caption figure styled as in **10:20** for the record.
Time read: **12:16**
